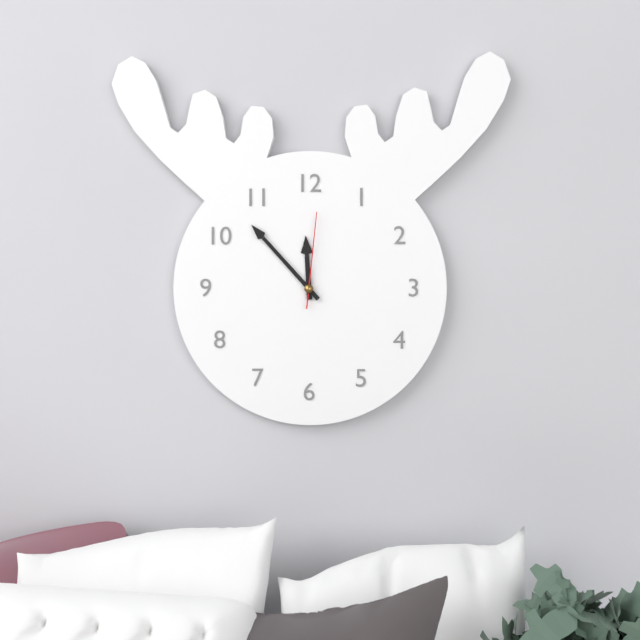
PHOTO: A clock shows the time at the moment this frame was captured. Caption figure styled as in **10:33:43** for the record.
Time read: **11:53:01**
